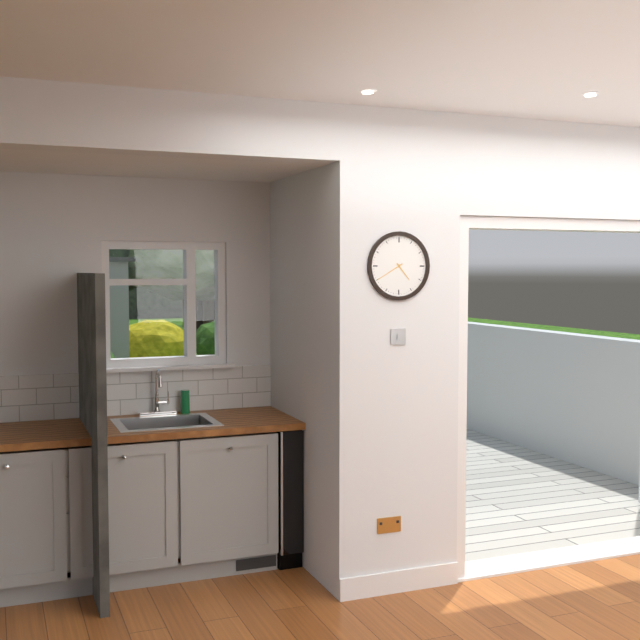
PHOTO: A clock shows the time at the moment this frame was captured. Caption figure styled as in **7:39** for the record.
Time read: **4:40**
